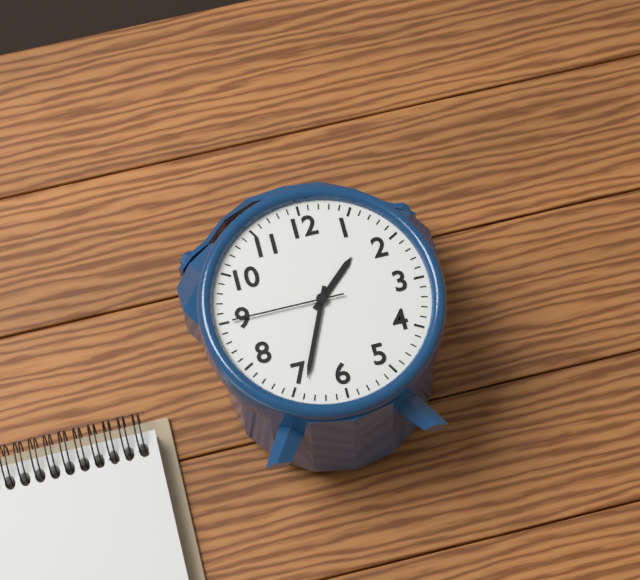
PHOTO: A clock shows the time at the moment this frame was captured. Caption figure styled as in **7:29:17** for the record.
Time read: **1:34:45**
